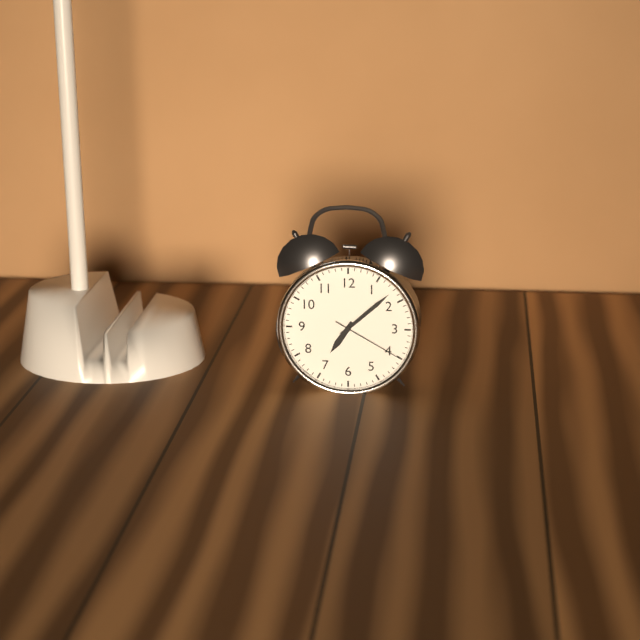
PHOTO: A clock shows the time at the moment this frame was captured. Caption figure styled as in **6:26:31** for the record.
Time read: **7:08:20**
